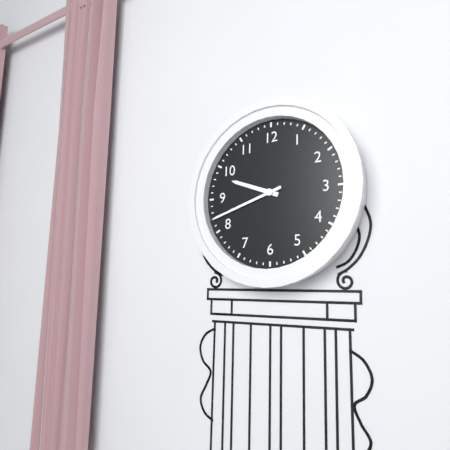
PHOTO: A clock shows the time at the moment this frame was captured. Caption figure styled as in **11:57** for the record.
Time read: **9:42**
